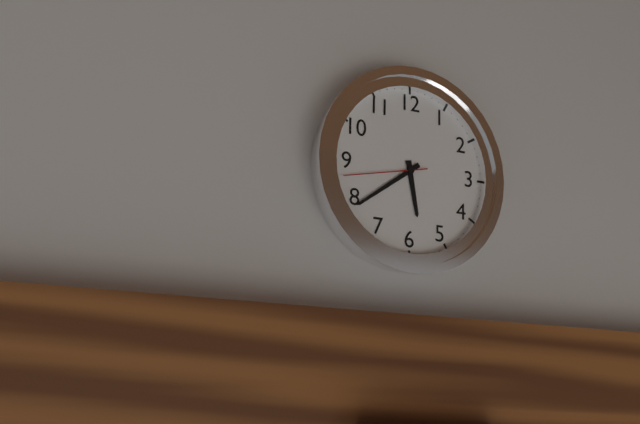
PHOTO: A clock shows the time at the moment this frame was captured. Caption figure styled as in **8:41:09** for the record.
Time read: **5:39:43**
